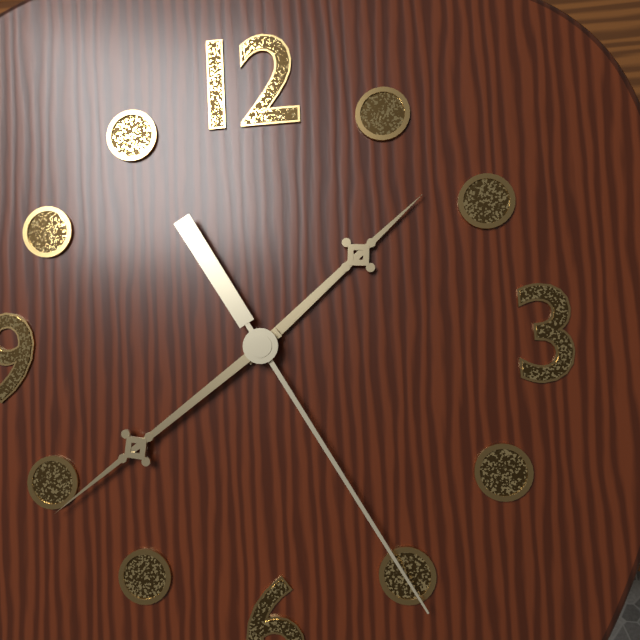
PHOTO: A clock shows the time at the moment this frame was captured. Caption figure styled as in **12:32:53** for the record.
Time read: **1:39:25**
